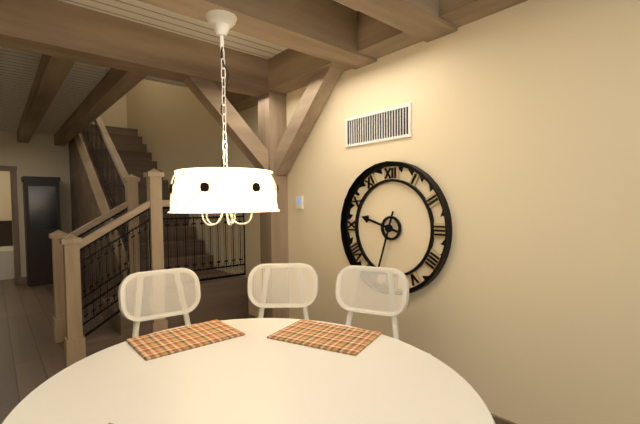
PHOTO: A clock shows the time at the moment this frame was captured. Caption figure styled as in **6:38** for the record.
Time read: **9:33**
